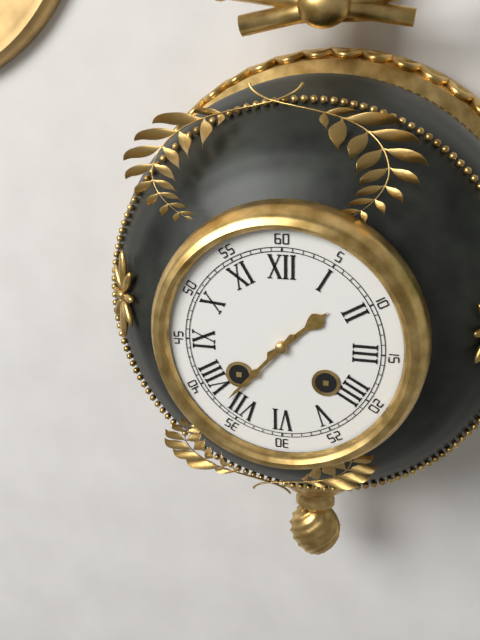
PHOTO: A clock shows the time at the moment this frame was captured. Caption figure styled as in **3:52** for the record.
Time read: **1:37**
